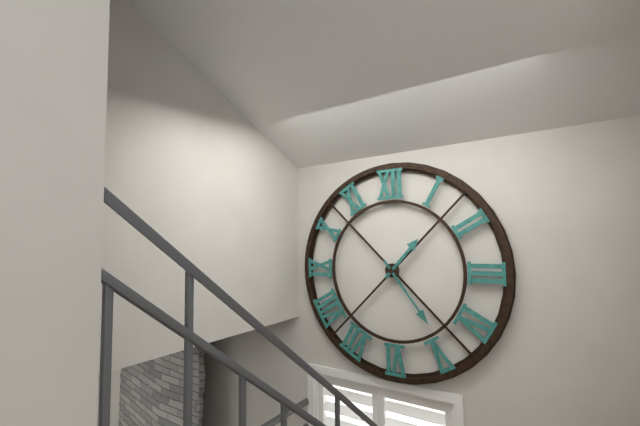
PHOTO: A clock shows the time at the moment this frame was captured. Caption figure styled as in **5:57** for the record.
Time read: **1:24**
